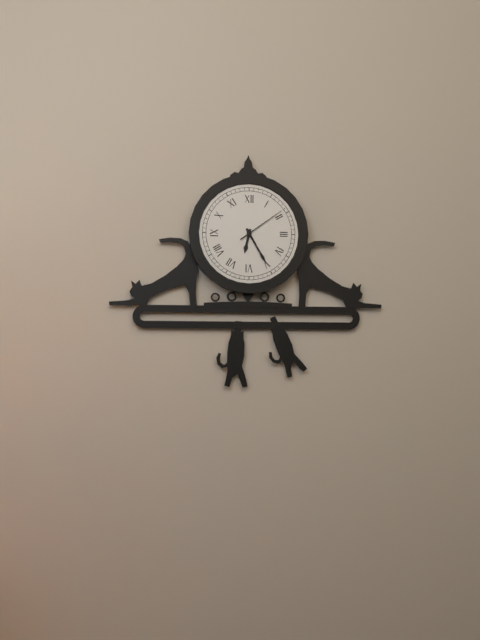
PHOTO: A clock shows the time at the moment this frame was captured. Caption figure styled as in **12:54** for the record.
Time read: **6:25**
